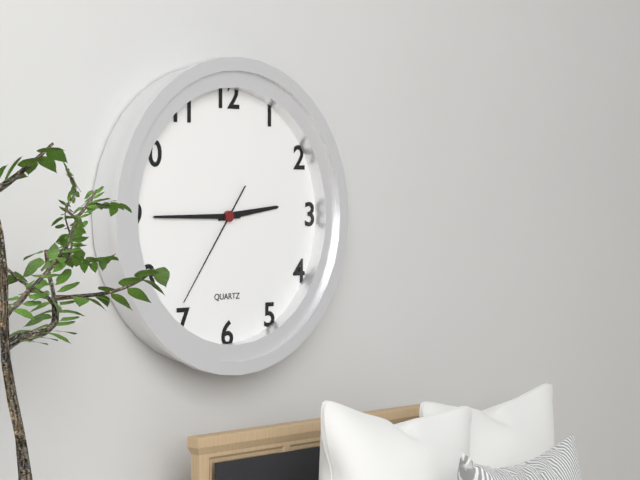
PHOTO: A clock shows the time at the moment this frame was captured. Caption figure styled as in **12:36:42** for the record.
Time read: **2:45:36**
